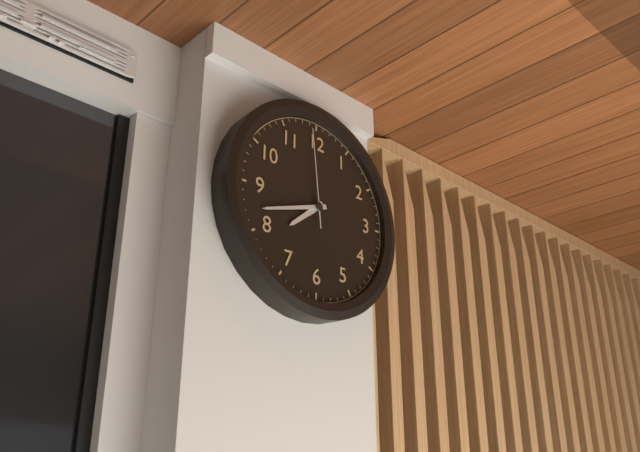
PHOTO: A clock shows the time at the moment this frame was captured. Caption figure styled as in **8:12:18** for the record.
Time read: **7:42:59**
